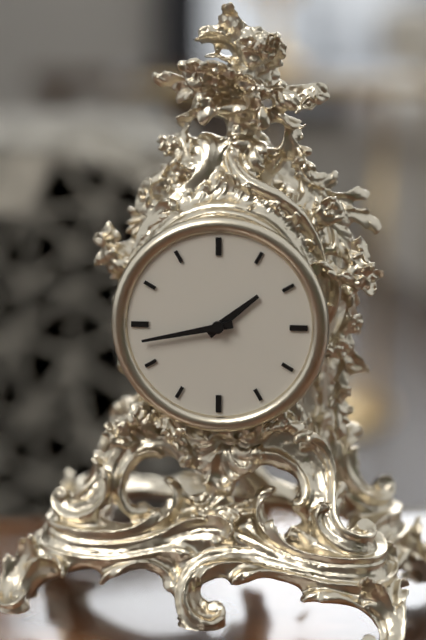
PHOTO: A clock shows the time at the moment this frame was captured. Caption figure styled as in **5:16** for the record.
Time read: **1:43**
